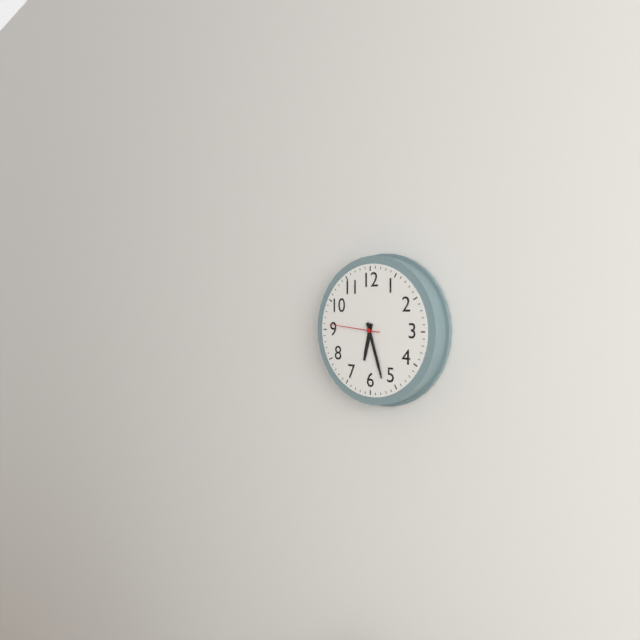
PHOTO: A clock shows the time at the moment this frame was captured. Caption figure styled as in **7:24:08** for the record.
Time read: **6:27:46**
